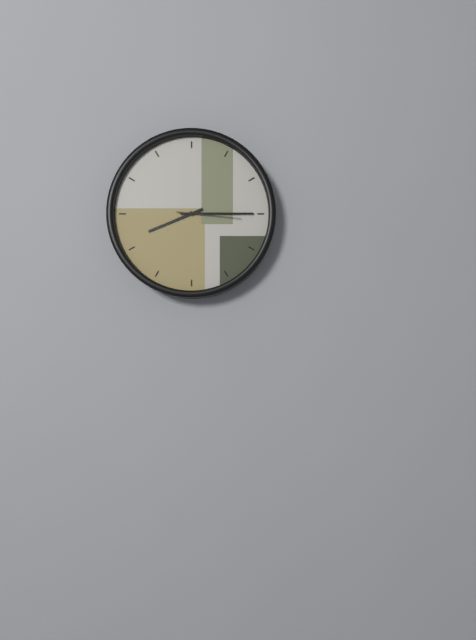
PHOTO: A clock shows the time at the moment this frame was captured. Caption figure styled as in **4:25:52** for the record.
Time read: **8:15:16**
